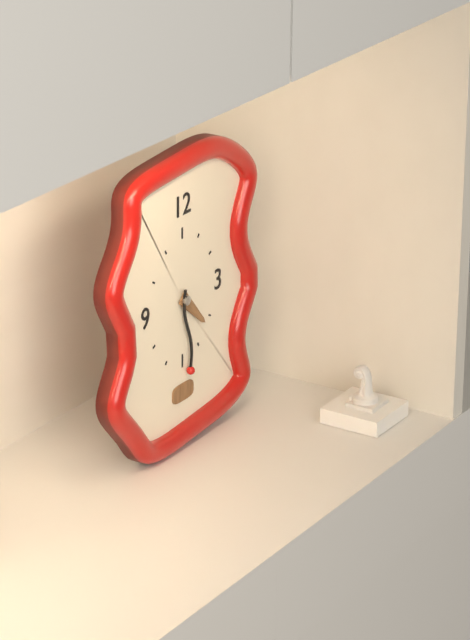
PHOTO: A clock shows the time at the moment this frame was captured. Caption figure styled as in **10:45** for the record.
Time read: **4:29**
